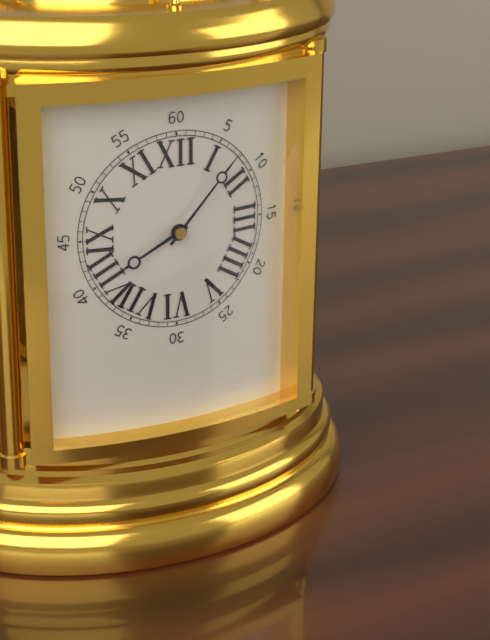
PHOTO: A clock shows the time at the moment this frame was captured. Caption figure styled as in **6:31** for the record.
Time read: **8:07**
